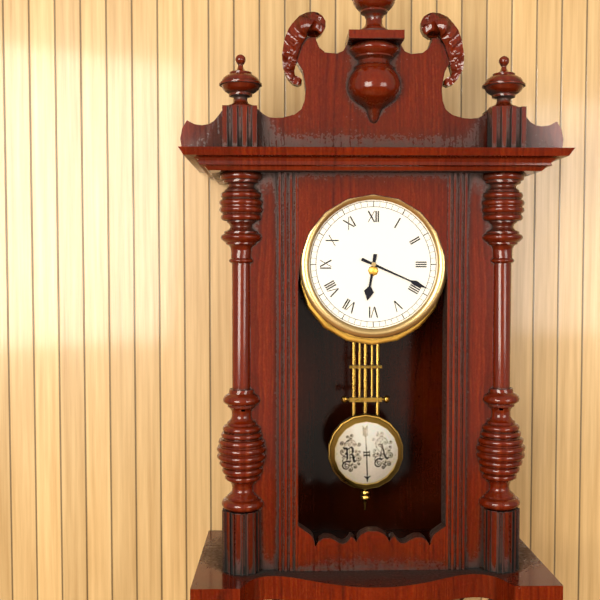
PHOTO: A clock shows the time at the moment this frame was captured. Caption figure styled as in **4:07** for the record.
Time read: **6:19**
